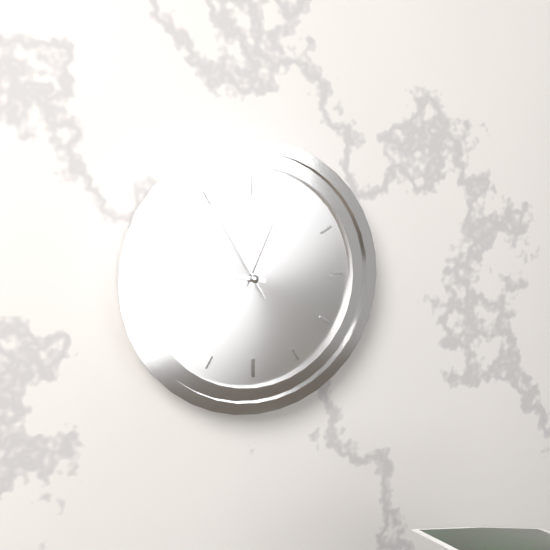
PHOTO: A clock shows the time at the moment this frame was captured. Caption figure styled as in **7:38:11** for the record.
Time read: **12:47:55**
